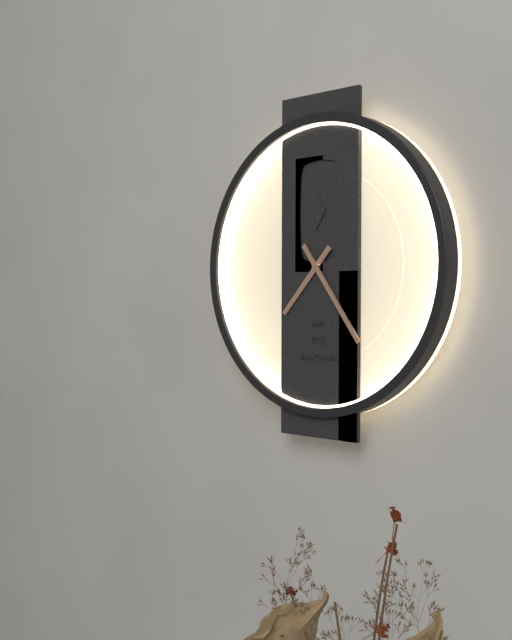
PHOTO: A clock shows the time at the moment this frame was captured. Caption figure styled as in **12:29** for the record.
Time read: **7:24**
